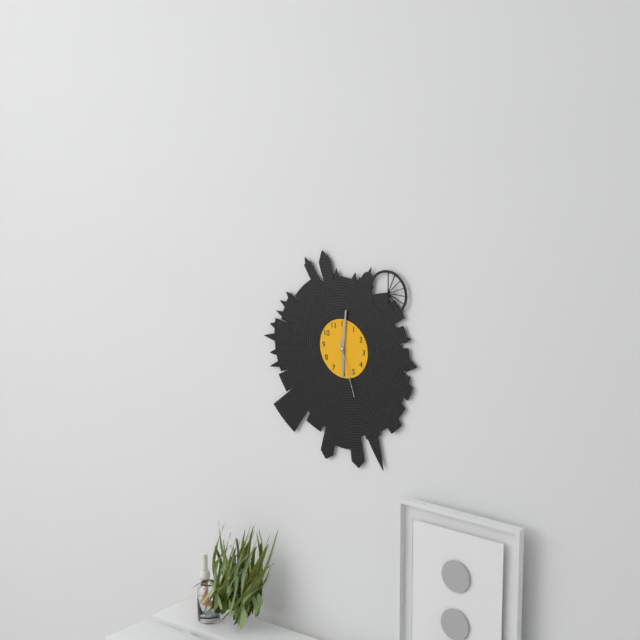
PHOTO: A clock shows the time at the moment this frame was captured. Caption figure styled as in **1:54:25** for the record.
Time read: **6:01:27**
